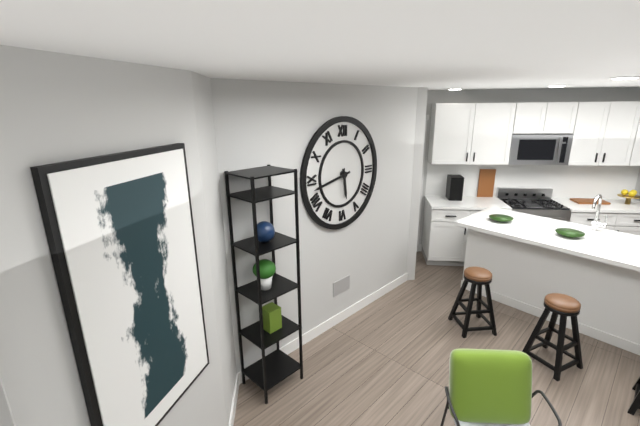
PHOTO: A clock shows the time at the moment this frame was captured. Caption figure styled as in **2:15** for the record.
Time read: **5:43**
